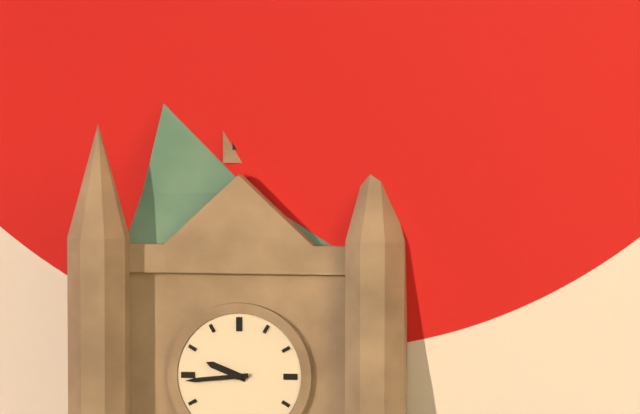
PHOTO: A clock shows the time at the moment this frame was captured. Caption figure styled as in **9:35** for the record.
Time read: **9:44**
